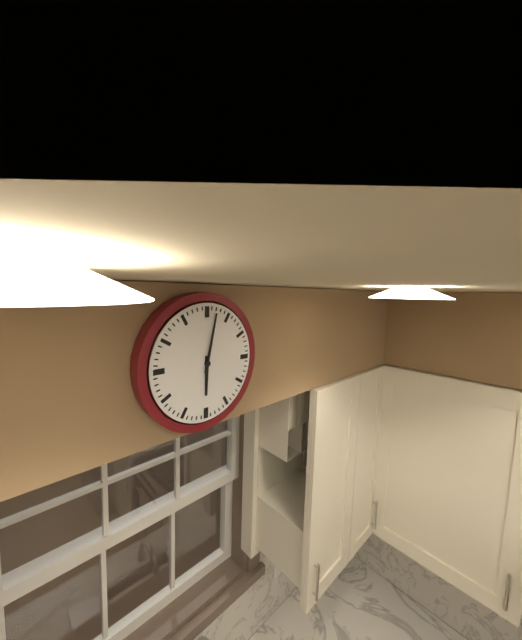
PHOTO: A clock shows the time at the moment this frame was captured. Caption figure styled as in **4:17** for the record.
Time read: **6:02**
